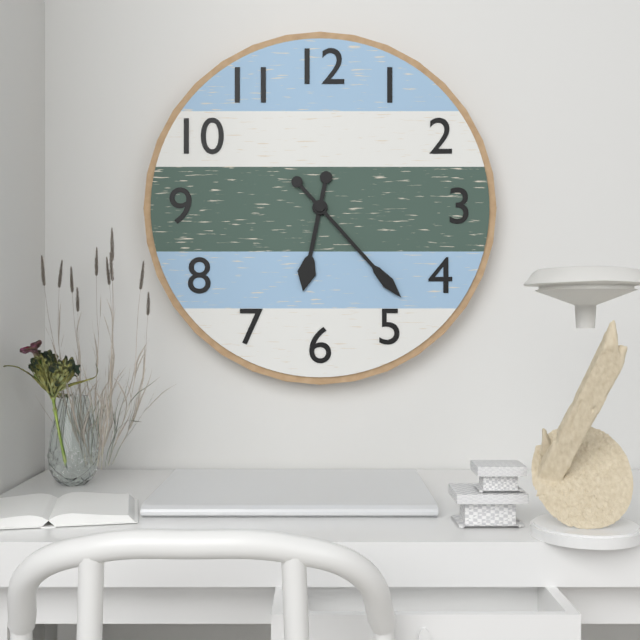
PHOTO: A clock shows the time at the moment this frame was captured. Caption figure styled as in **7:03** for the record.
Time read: **6:23**
